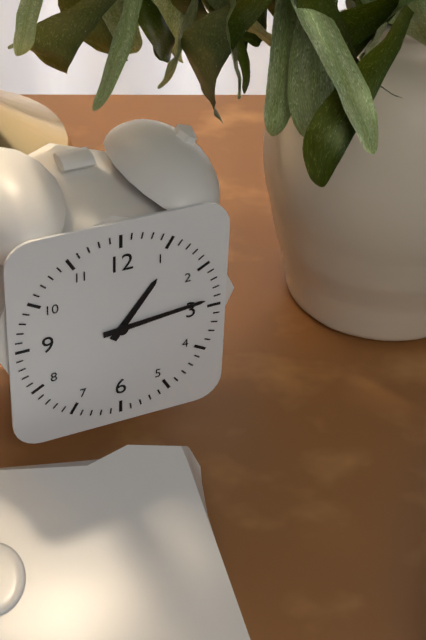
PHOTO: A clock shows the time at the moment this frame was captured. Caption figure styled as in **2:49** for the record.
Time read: **1:14**
